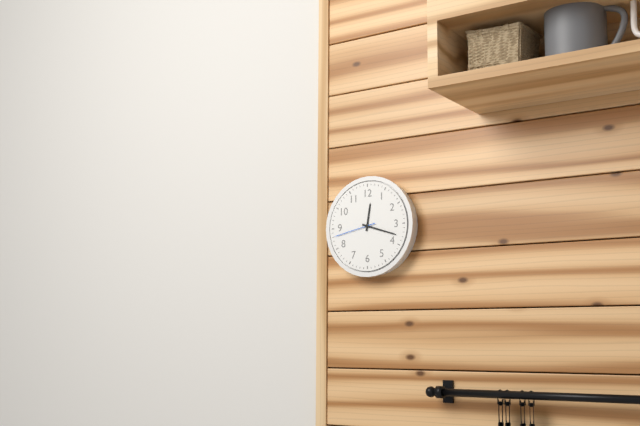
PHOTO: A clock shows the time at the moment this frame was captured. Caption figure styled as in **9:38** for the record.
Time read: **12:18**
